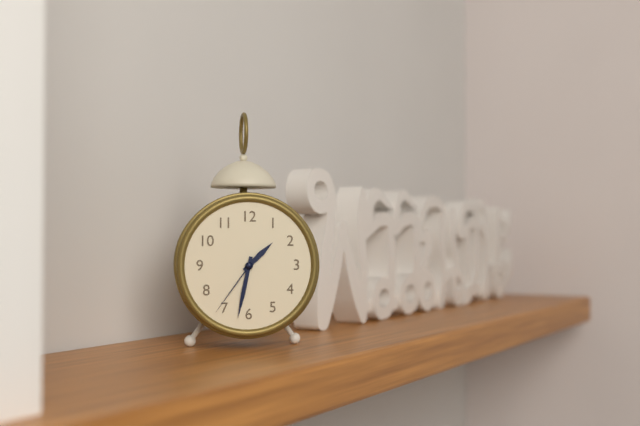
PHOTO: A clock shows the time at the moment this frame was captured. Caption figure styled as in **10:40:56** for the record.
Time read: **1:32:36**
